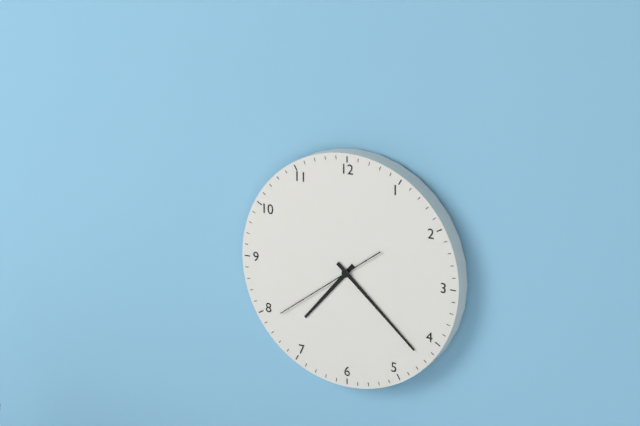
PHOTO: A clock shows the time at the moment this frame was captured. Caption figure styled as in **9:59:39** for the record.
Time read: **7:22:39**
